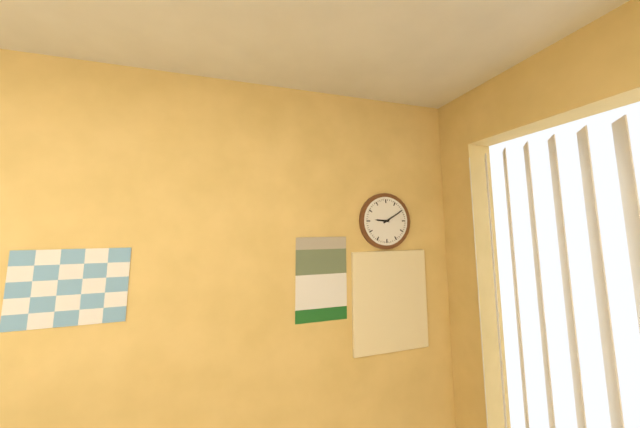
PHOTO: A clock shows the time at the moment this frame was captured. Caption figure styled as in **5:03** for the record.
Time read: **9:10**
